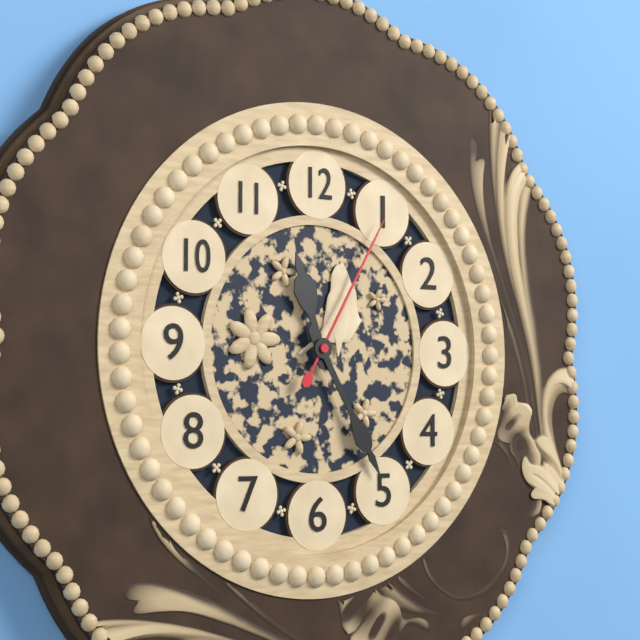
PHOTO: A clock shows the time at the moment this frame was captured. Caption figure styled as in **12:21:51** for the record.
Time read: **11:25:05**
